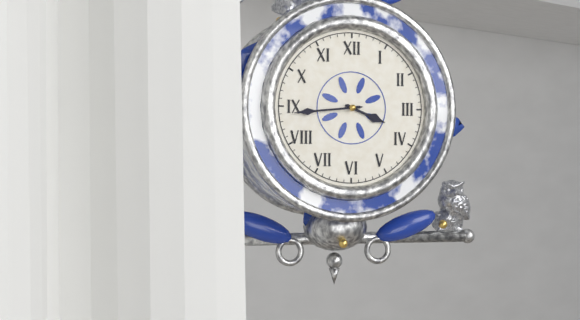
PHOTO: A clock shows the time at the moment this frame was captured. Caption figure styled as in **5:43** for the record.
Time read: **3:44**
